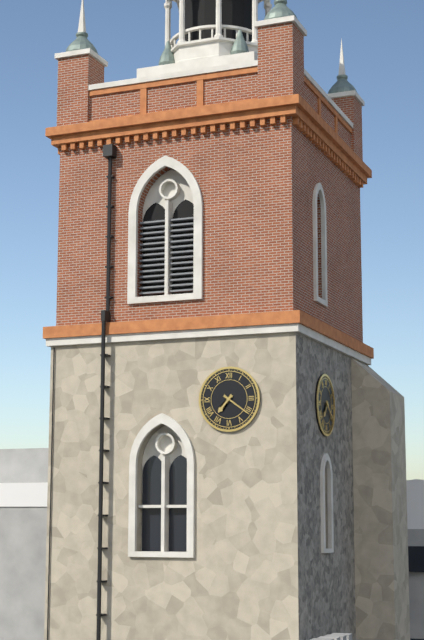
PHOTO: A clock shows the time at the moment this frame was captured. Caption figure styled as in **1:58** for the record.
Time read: **7:21**
